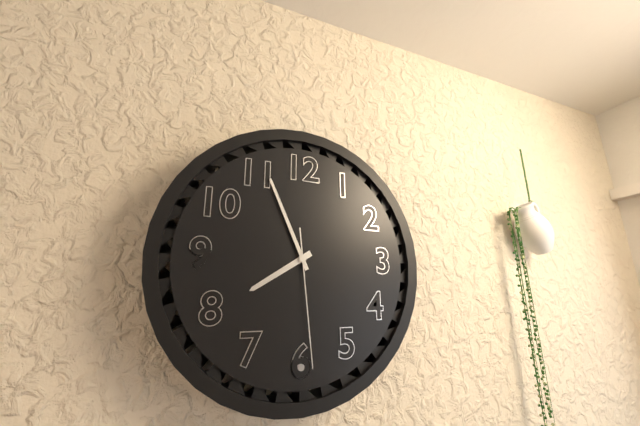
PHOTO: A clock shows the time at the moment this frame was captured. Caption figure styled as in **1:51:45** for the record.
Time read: **7:56:29**
